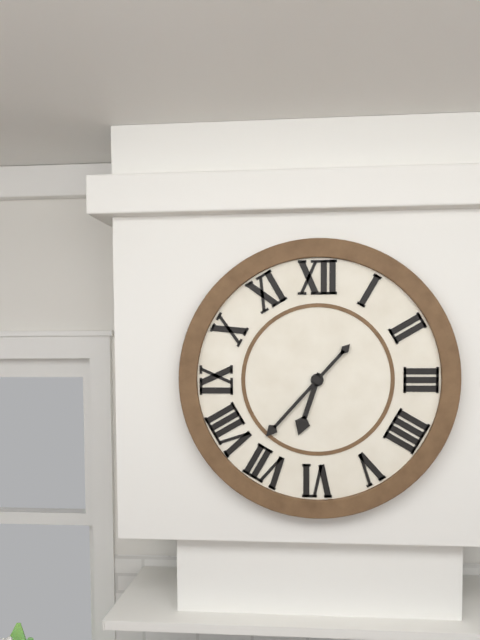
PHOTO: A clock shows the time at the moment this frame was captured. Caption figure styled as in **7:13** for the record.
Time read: **6:37**
